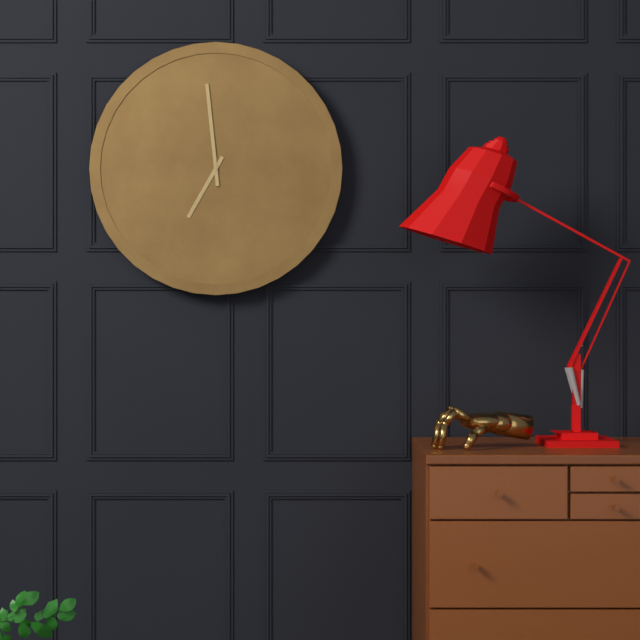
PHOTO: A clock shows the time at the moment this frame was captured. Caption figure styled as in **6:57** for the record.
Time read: **6:59**
